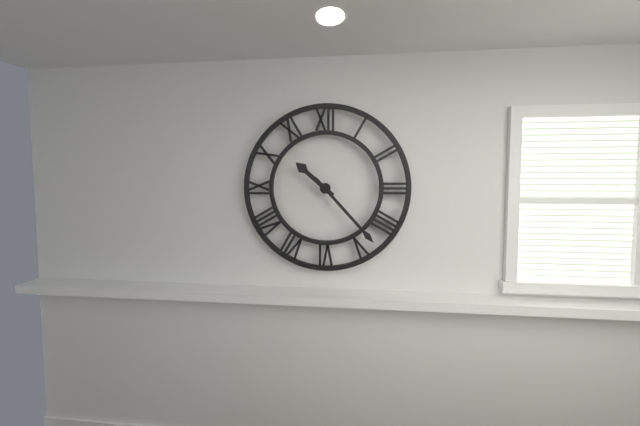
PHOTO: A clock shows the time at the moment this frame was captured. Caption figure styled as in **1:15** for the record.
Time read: **10:23**
